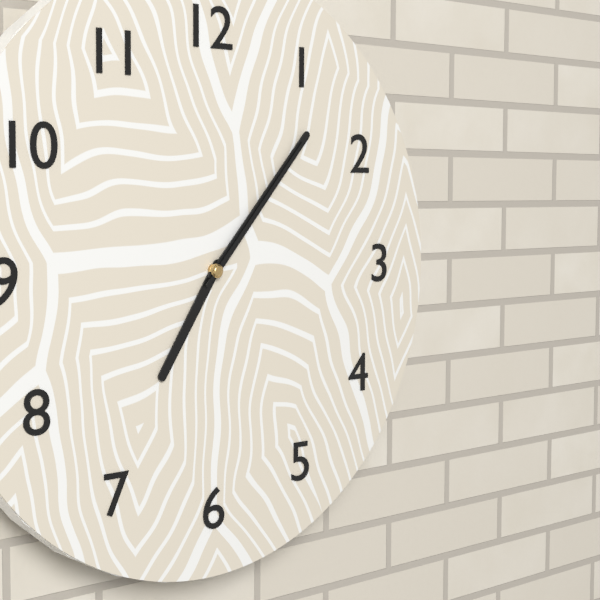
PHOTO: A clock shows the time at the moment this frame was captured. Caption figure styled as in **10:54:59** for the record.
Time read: **7:07:07**
